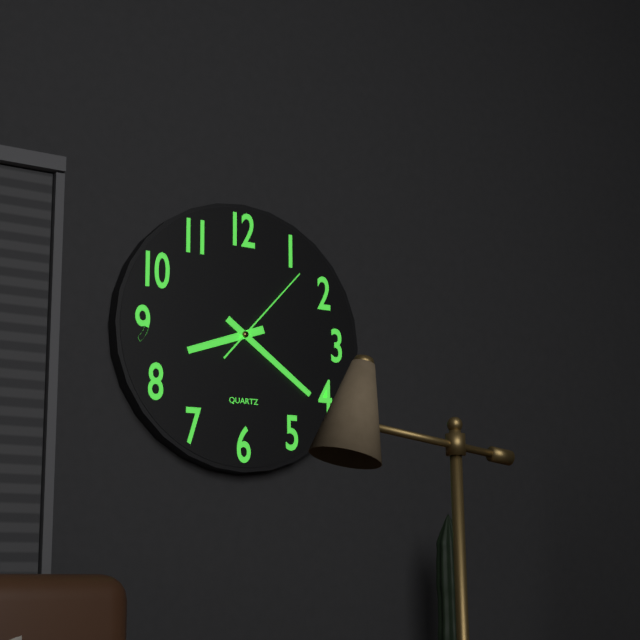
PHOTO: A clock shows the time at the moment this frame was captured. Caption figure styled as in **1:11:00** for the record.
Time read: **8:21:07**
